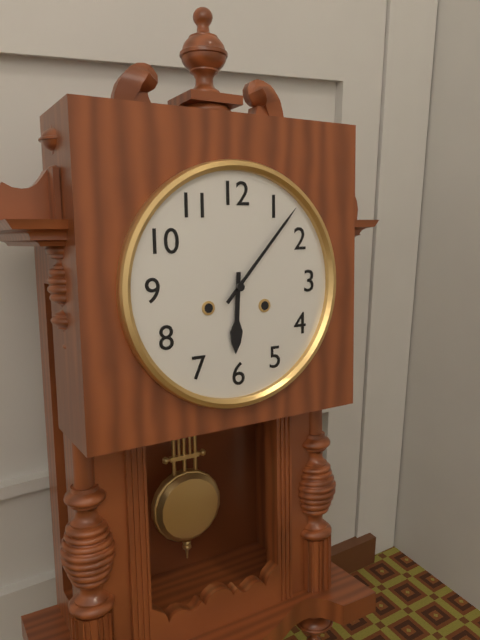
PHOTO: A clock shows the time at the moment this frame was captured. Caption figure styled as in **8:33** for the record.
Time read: **6:07**
